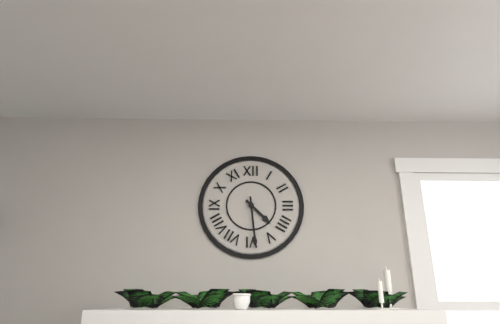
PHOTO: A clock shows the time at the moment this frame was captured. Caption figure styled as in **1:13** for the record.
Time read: **4:29**
